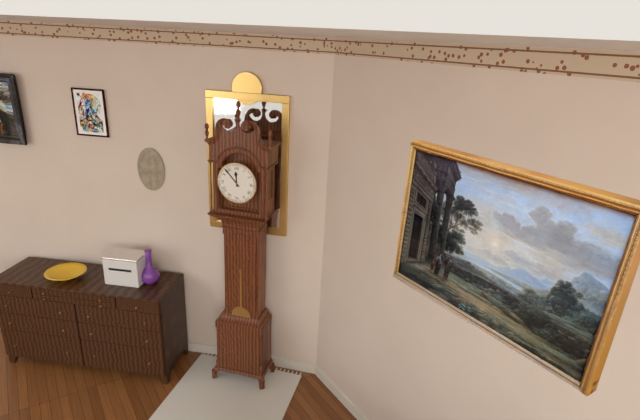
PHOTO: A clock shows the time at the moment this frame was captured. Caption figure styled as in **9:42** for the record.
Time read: **11:53**
